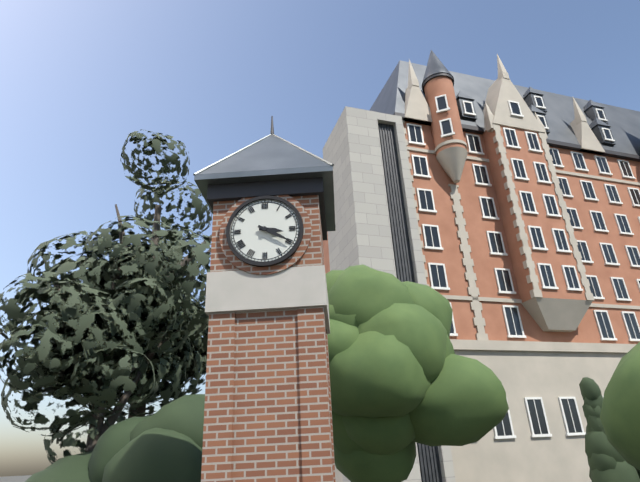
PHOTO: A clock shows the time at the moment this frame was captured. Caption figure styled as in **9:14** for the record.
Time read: **3:20**
